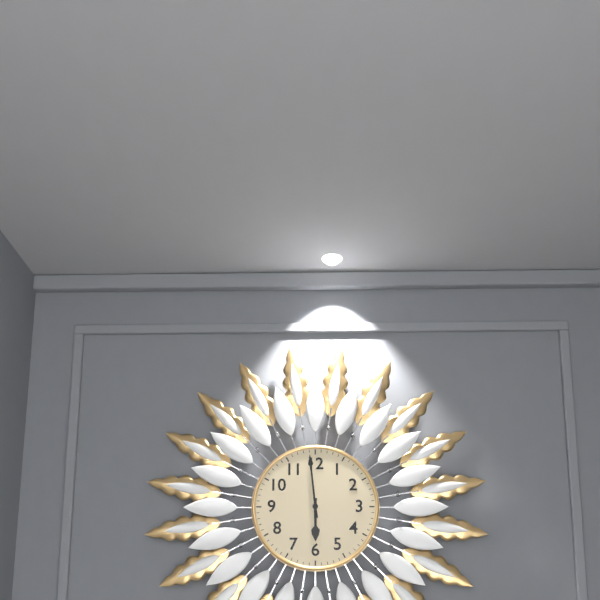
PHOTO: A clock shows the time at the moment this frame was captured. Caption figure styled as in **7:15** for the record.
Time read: **5:59**
